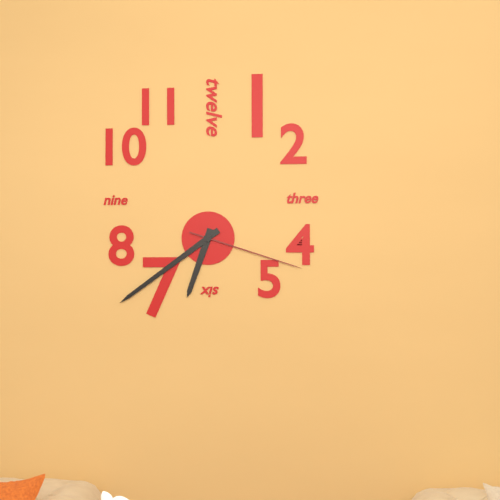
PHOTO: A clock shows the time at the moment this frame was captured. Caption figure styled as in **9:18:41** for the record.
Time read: **6:39:18**
